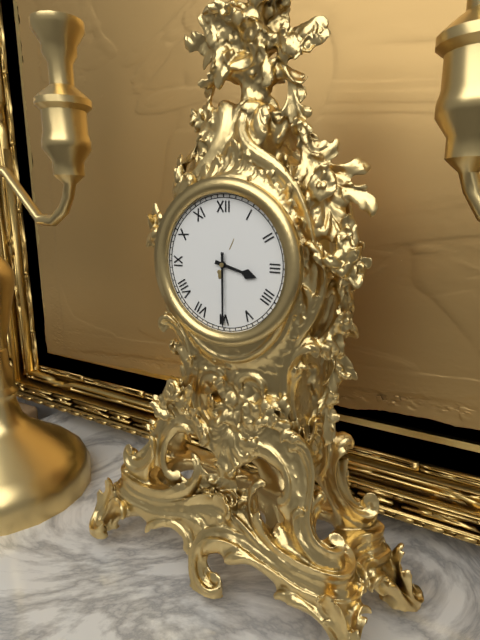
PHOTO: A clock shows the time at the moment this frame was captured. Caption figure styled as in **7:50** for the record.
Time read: **3:30**
